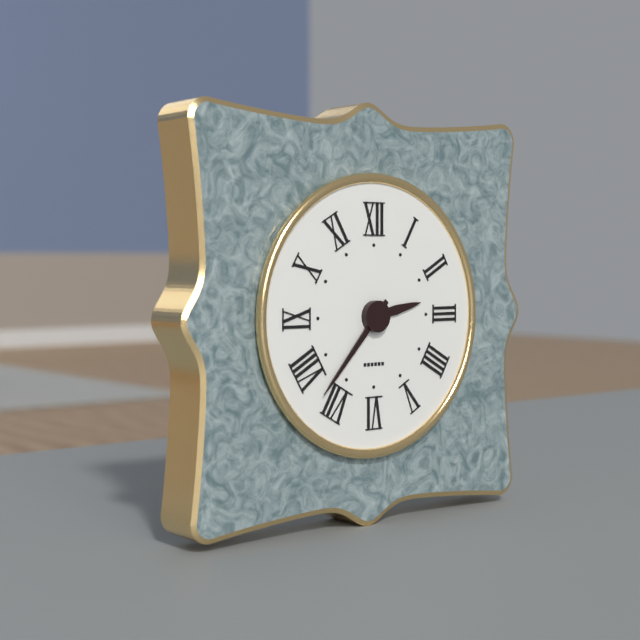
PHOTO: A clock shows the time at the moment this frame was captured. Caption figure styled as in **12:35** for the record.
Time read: **2:37**
